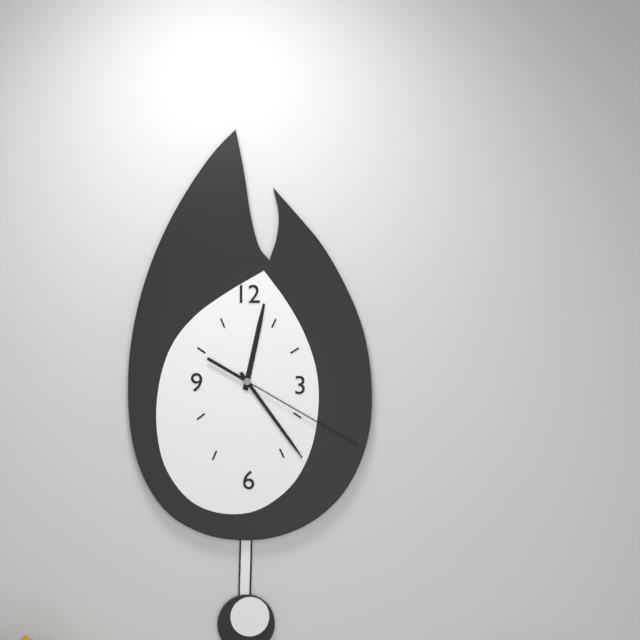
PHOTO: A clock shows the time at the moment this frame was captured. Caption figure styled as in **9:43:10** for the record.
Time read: **12:24:20**
